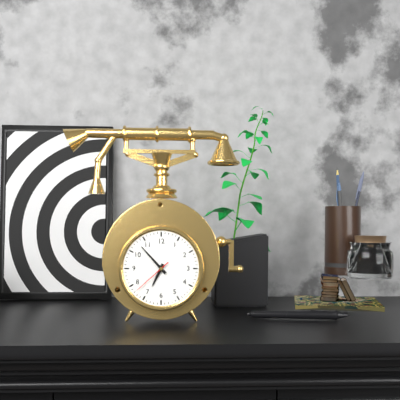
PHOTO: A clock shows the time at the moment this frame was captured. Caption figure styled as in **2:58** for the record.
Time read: **6:53**
